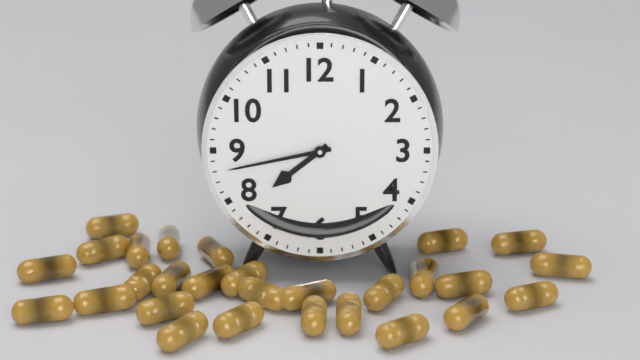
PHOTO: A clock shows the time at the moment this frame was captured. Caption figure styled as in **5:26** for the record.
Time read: **7:43**
